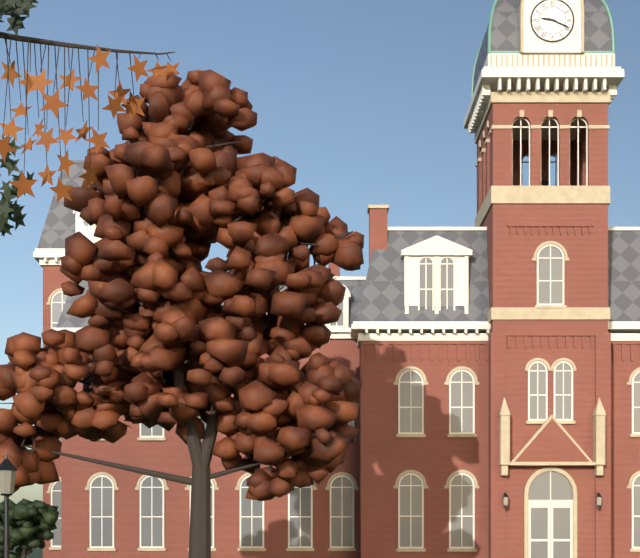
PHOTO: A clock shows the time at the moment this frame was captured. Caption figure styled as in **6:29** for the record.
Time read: **9:19**
